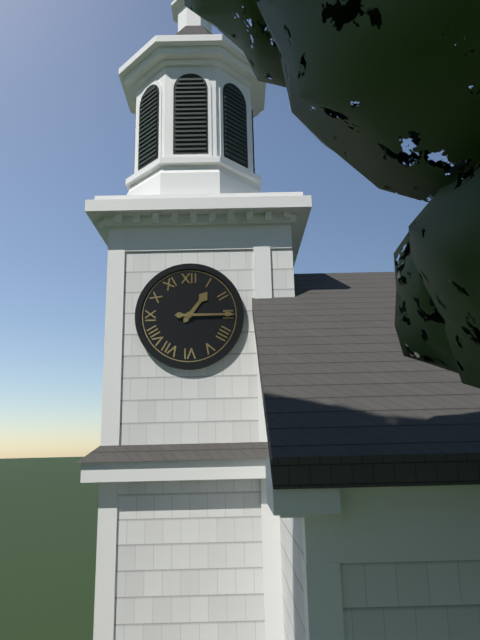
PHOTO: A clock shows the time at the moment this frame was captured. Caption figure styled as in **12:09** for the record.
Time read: **1:15**
